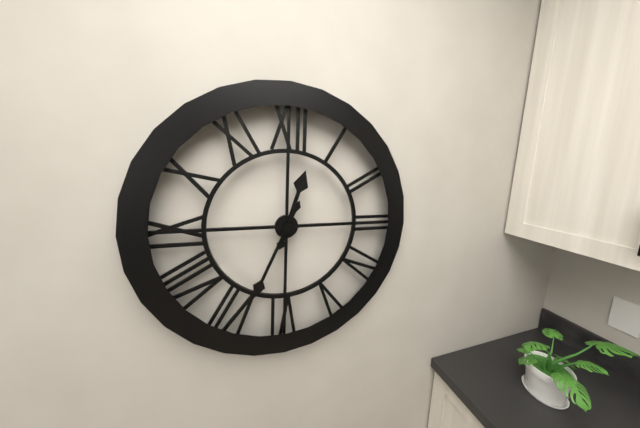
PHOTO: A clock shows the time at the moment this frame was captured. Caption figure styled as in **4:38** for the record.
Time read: **12:34**
